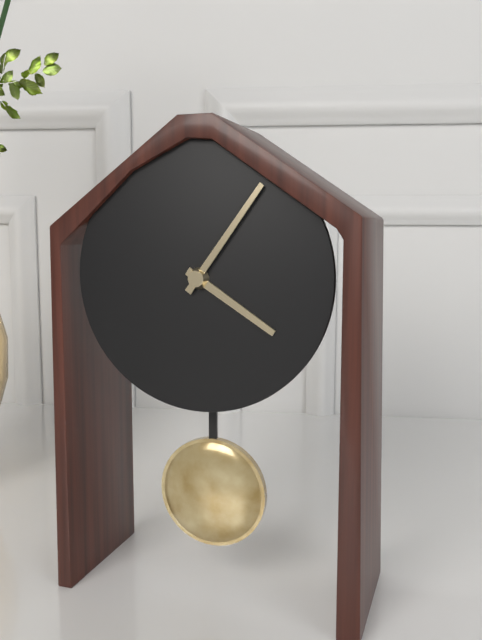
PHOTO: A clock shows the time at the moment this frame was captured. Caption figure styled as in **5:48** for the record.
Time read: **4:06**
